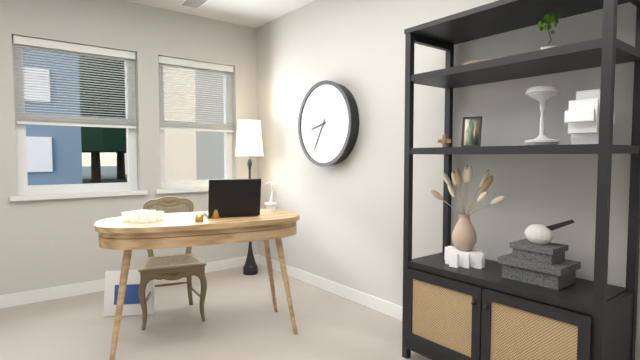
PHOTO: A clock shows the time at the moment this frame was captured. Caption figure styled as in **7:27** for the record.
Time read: **8:35**
